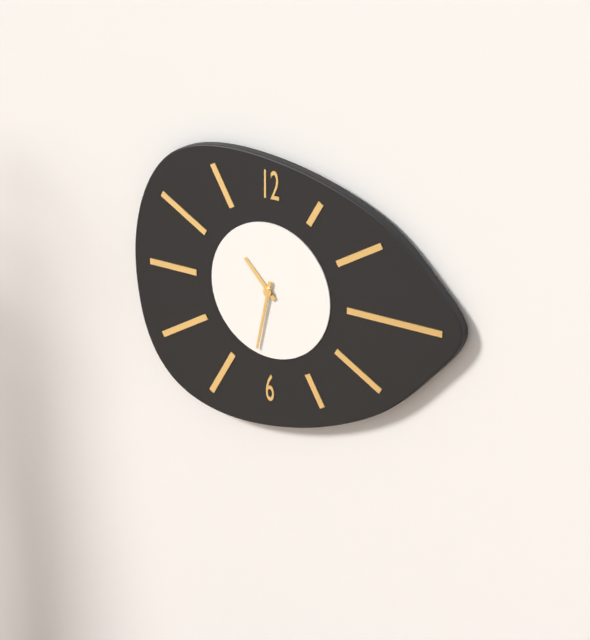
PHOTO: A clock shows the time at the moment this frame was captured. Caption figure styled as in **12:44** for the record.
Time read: **10:32**
